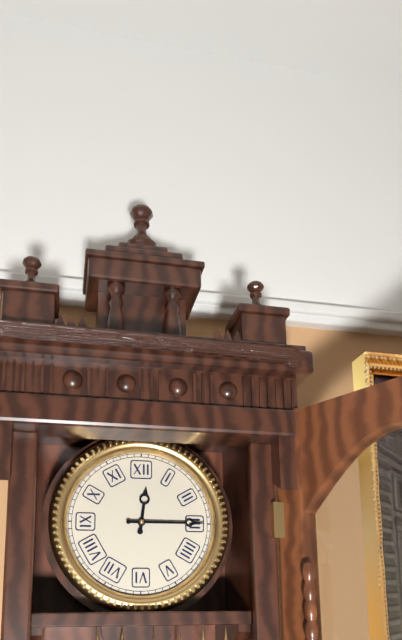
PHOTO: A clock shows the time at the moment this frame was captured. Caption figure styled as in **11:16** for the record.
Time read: **12:15**
